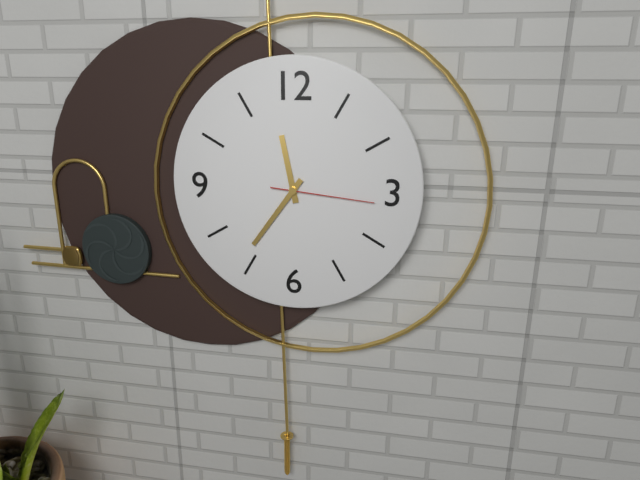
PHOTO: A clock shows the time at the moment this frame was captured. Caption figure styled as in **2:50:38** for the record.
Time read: **11:36:16**
